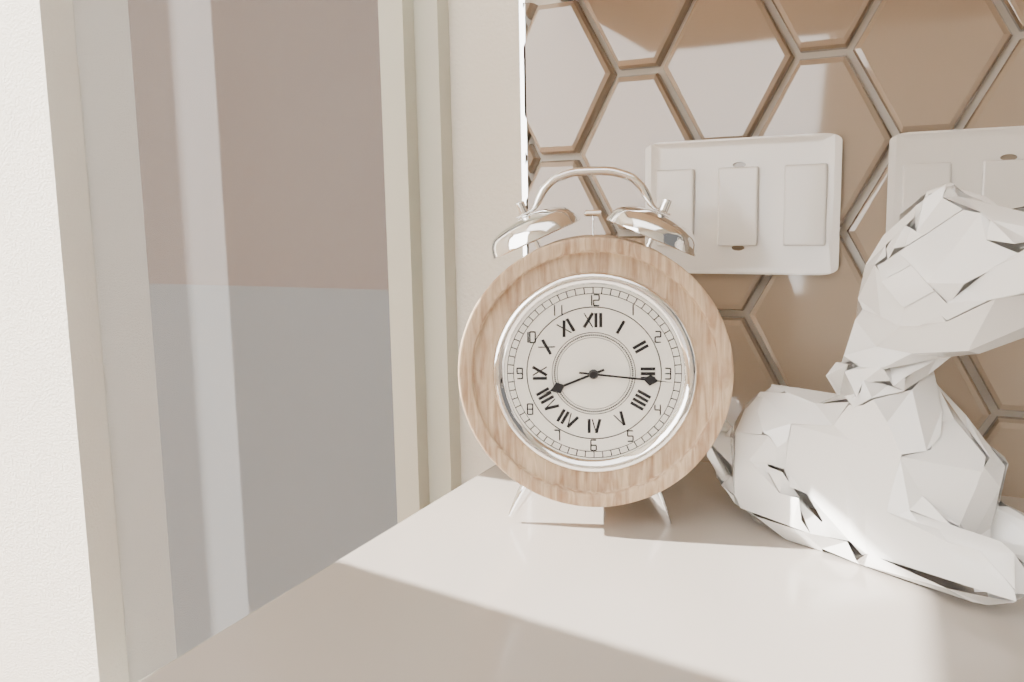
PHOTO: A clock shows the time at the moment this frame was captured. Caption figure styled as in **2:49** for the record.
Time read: **8:16**
